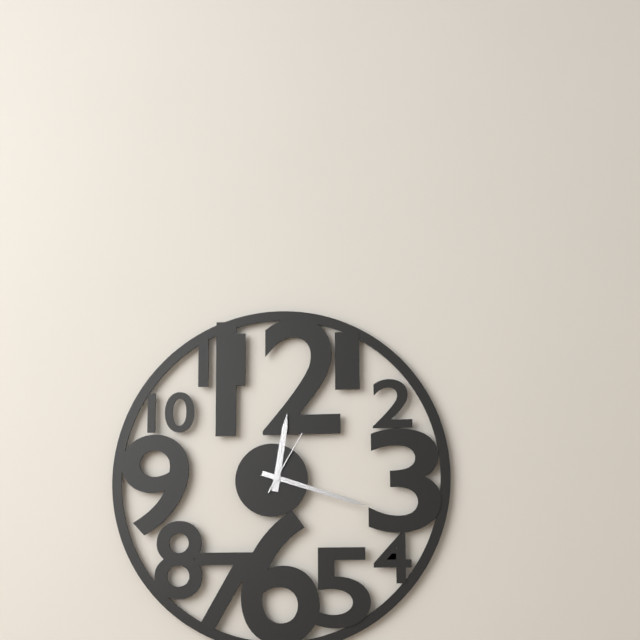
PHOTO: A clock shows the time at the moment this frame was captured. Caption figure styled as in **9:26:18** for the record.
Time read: **12:18:05**
